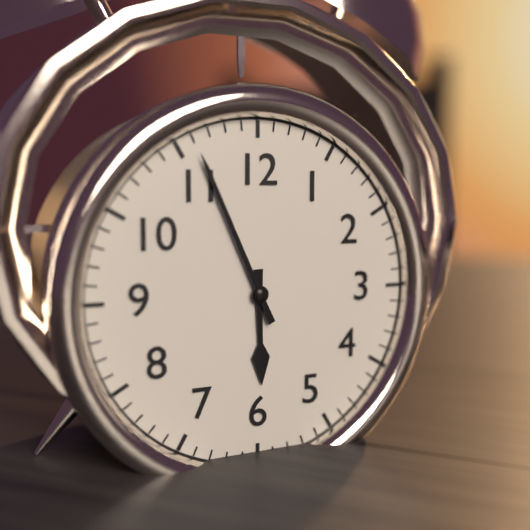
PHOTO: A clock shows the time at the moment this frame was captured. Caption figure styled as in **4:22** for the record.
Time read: **5:56**
